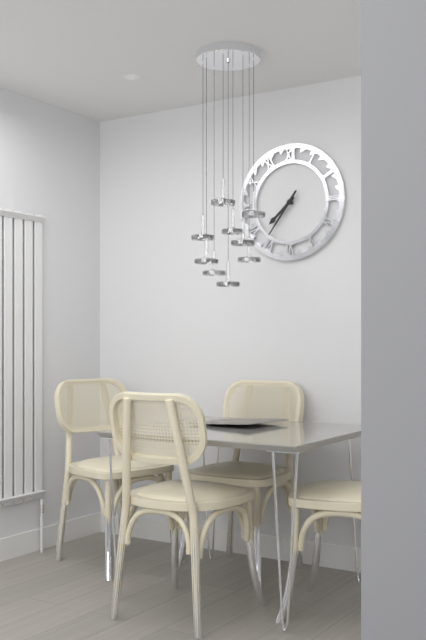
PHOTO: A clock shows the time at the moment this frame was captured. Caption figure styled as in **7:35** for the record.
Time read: **7:36**
